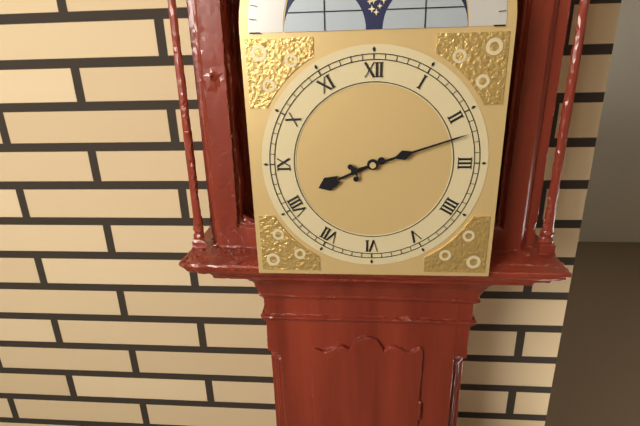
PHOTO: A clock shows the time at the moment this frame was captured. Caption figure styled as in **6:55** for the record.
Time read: **8:12**
